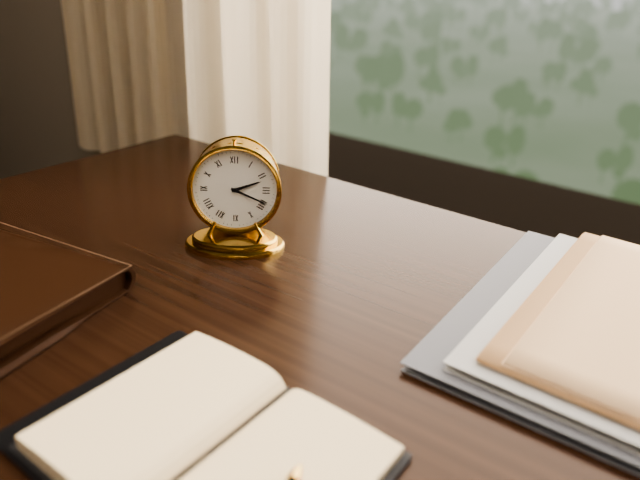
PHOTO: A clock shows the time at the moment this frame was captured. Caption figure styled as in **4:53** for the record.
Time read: **2:19**
